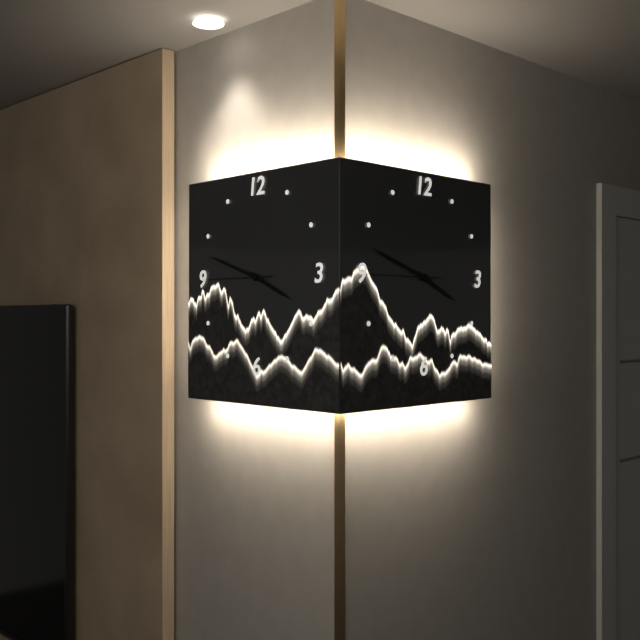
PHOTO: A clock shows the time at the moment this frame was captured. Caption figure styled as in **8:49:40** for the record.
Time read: **3:48:45**
